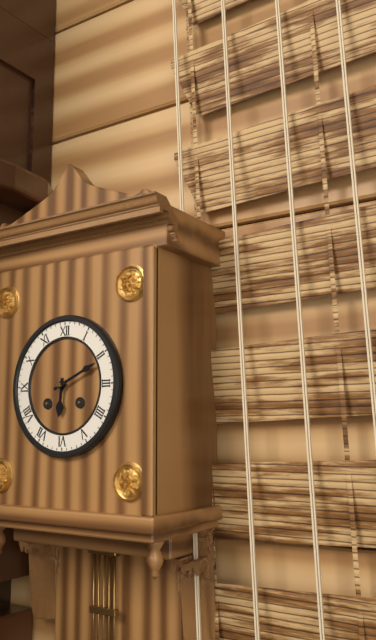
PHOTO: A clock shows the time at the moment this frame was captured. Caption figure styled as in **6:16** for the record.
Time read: **6:11**
